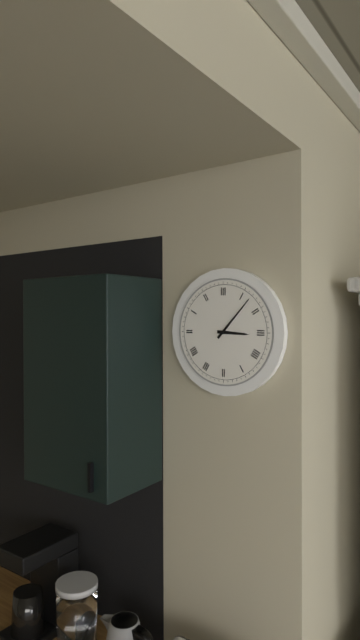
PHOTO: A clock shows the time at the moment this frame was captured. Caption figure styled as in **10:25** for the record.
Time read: **3:07**
